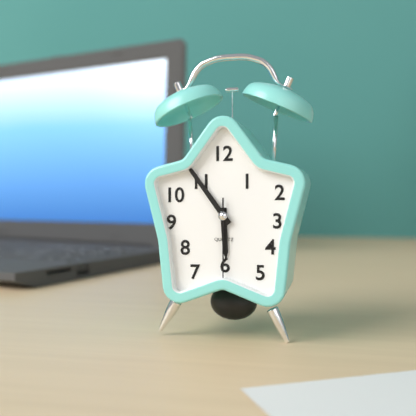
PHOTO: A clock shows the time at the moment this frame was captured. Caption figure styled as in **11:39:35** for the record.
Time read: **5:54:30**
